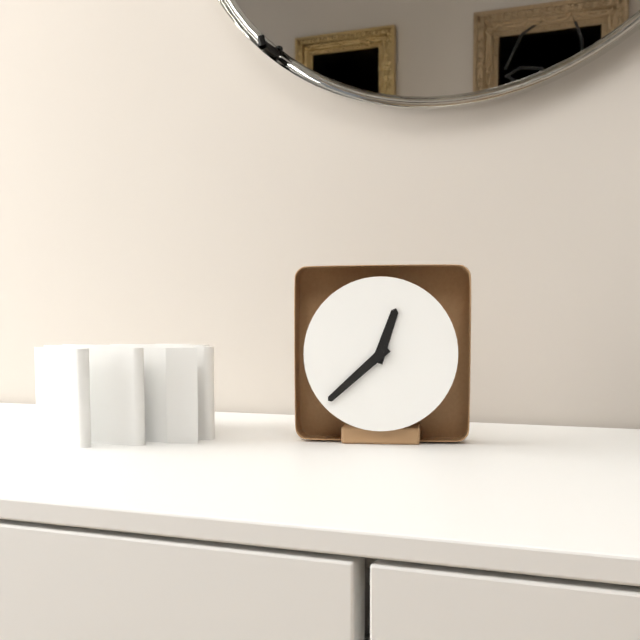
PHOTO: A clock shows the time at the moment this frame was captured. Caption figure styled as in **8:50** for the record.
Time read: **12:38**
